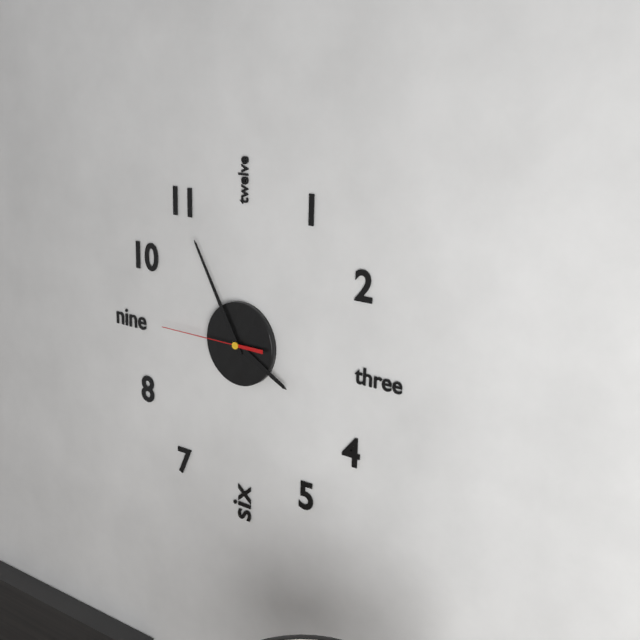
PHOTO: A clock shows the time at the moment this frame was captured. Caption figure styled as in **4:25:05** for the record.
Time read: **3:55:45**
